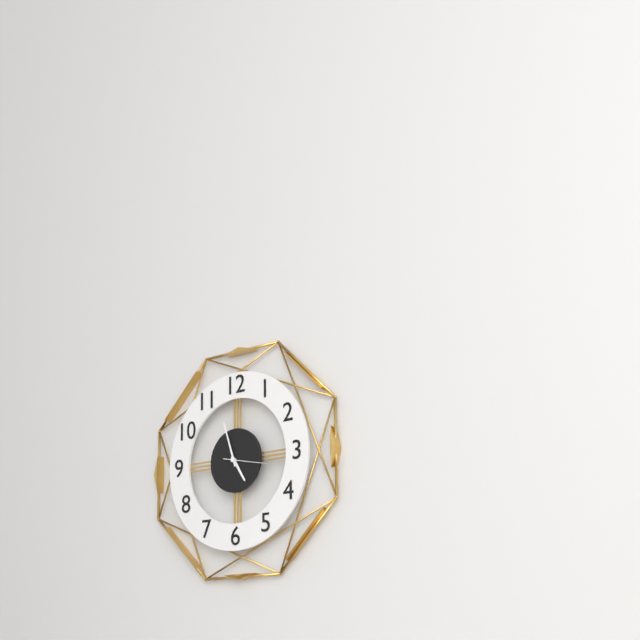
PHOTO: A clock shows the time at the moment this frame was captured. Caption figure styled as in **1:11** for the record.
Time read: **4:57**
